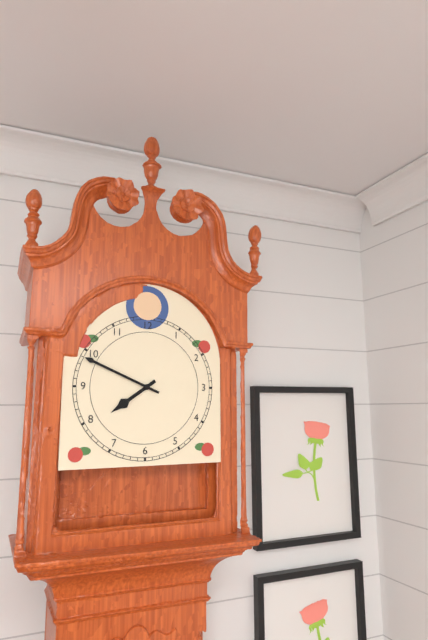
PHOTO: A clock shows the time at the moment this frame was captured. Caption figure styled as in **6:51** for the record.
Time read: **7:49**
